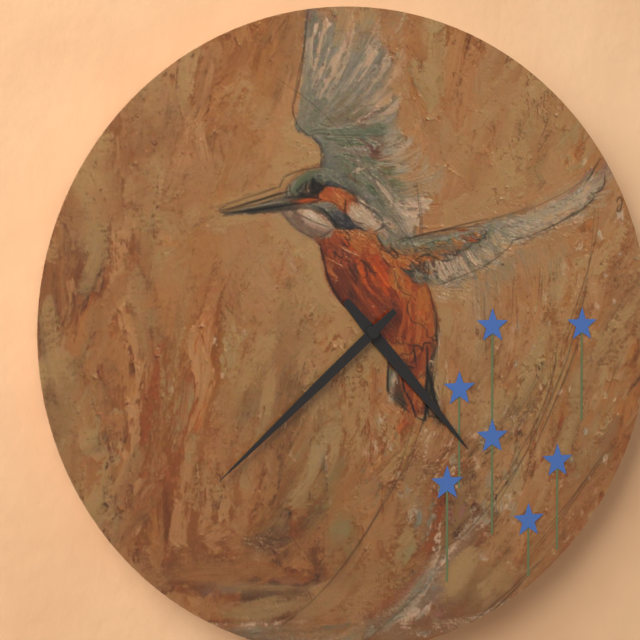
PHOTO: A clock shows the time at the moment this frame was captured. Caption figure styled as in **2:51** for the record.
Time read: **4:38**
